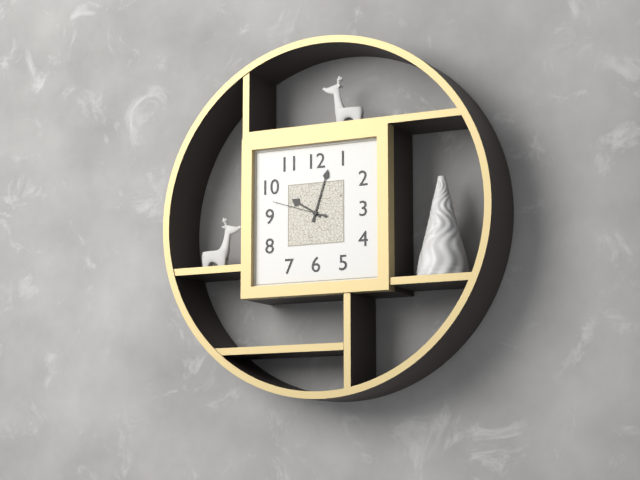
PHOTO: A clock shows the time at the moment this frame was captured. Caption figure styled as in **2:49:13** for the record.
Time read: **10:03:48**
